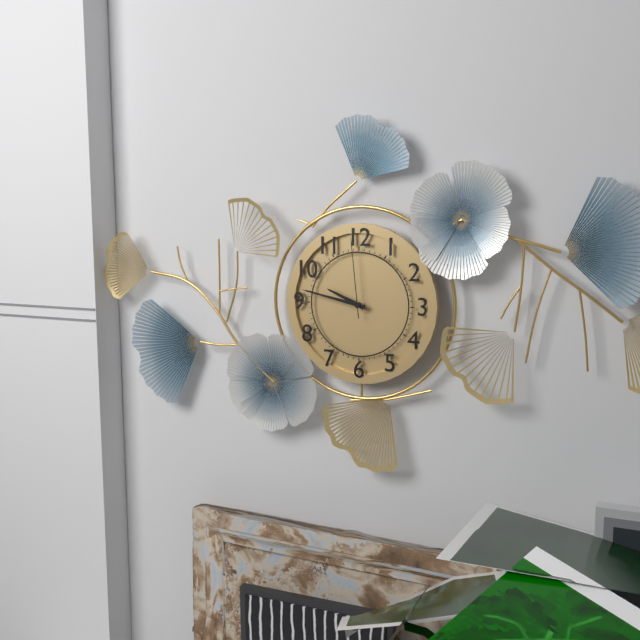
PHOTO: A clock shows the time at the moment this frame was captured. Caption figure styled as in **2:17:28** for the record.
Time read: **9:47:59**
